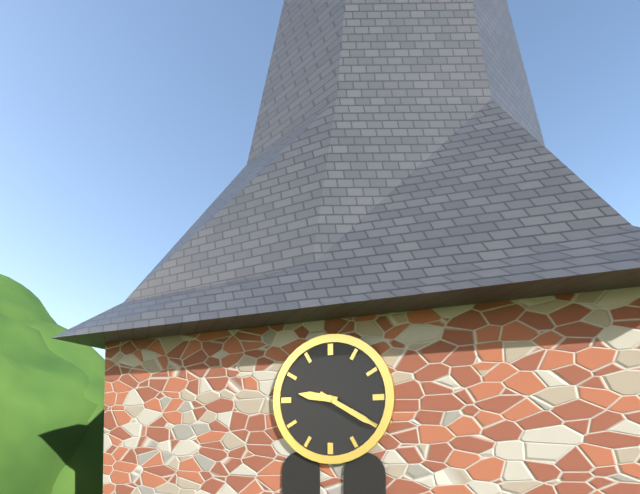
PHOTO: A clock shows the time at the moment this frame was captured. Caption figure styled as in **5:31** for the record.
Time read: **9:20**
